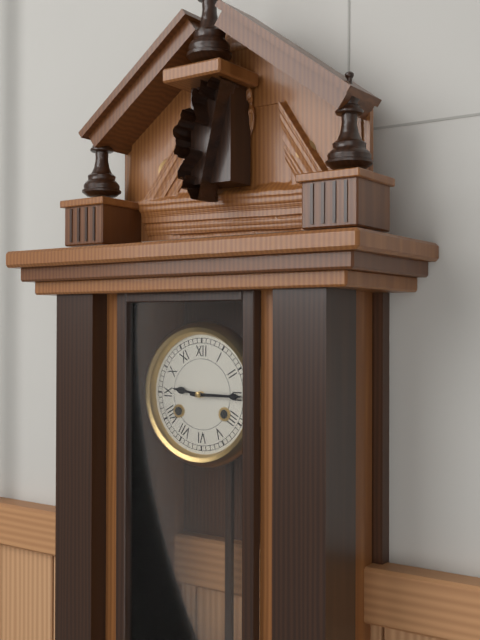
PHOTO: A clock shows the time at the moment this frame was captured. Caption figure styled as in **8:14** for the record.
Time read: **9:15**
